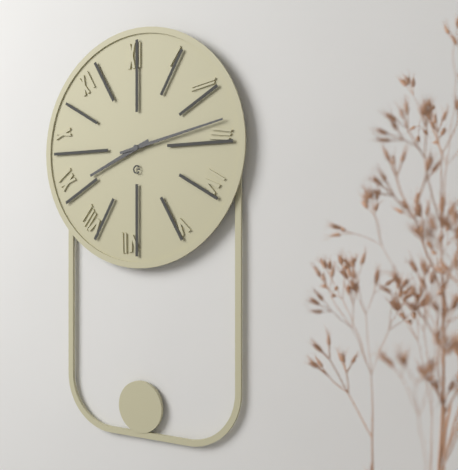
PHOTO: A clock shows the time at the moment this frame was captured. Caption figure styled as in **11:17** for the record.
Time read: **8:13**
